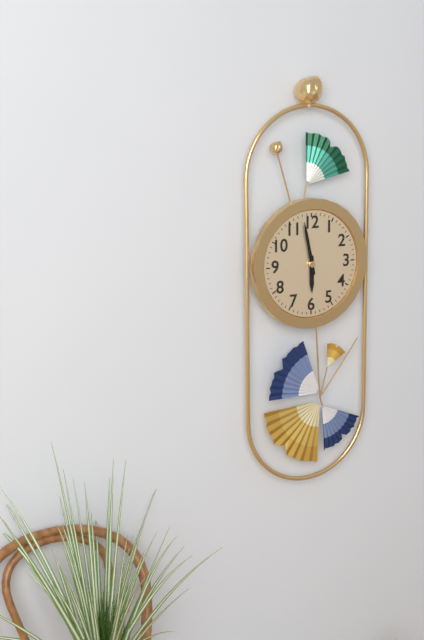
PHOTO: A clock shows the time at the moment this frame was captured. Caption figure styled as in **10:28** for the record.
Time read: **5:58**
